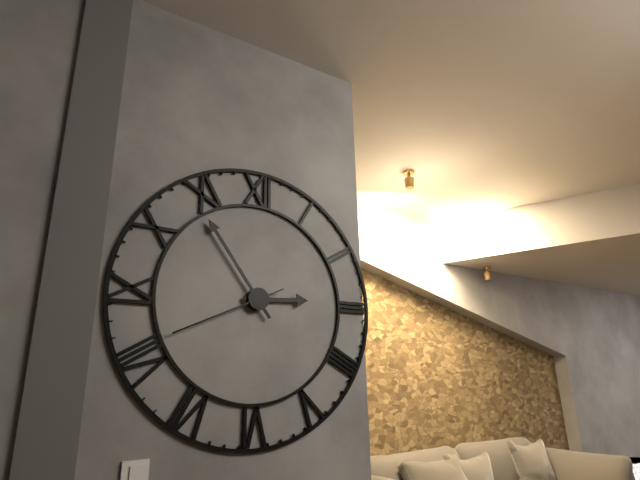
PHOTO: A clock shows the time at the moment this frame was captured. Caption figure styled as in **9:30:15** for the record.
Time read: **2:54:41**
